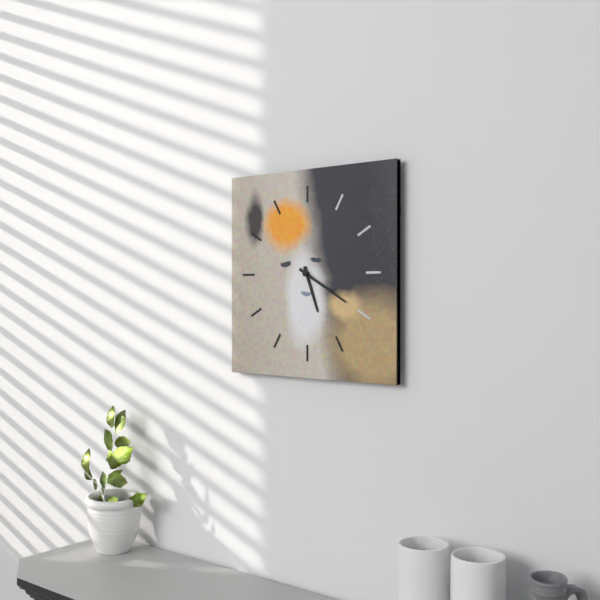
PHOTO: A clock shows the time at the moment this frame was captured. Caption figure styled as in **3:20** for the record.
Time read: **5:20**
